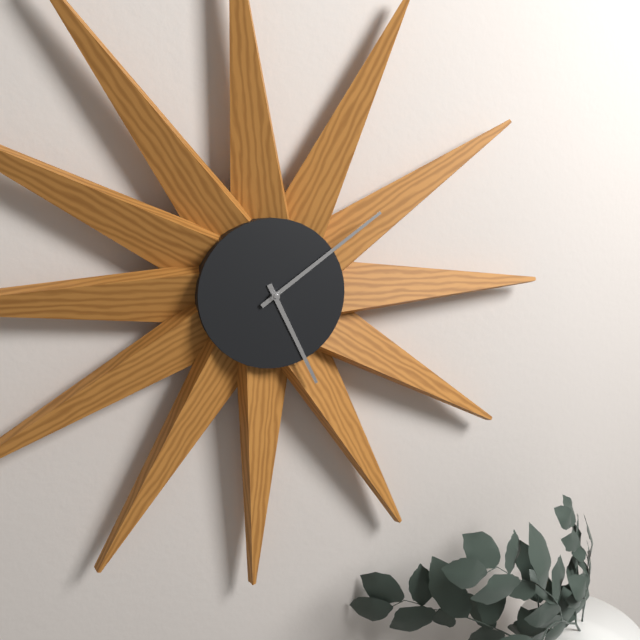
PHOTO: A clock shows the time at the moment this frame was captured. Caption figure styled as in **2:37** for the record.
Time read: **5:09**
